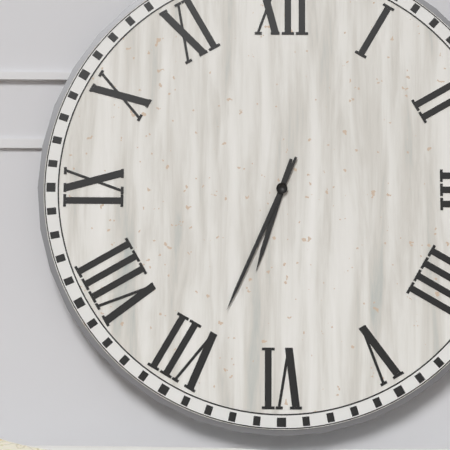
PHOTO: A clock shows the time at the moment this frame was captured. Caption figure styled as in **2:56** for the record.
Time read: **6:34**
